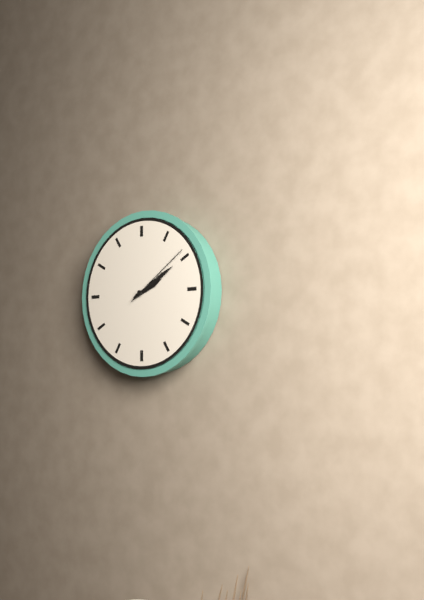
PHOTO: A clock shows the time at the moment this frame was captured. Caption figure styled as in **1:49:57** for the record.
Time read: **2:10:09**
